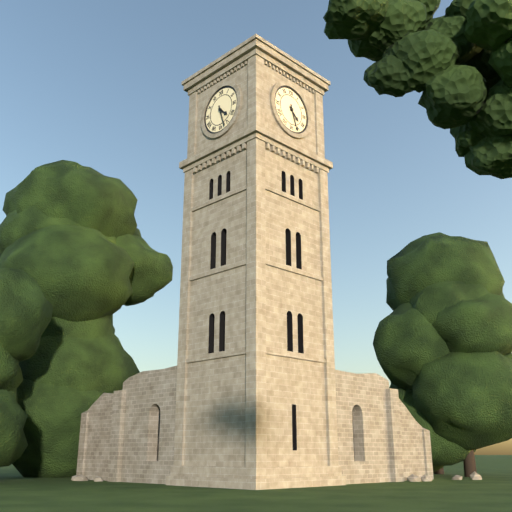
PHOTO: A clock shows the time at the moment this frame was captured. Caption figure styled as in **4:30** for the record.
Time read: **4:27**
